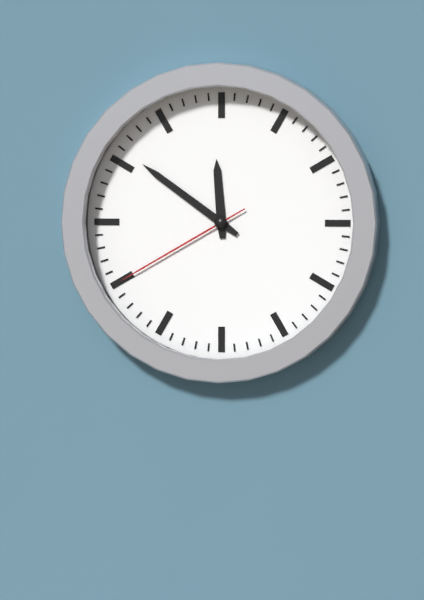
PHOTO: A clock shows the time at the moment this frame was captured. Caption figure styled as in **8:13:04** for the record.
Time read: **11:51:40**
